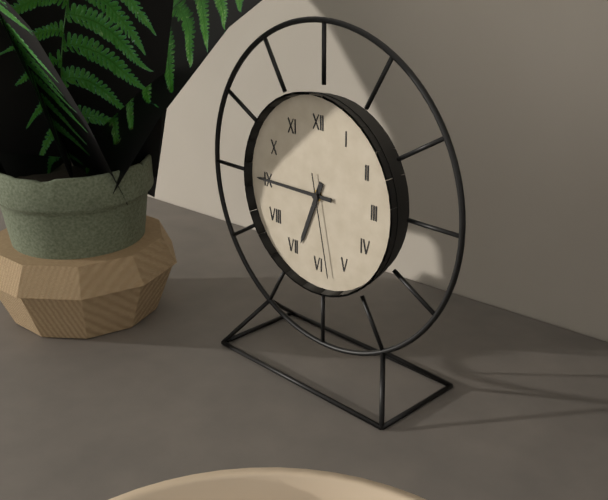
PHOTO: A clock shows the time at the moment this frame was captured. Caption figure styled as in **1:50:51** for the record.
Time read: **6:45:28**
